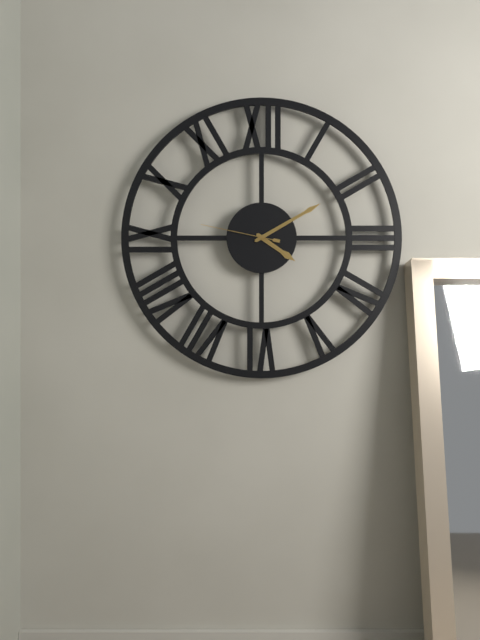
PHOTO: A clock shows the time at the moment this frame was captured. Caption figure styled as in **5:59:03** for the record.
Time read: **4:10:47**
